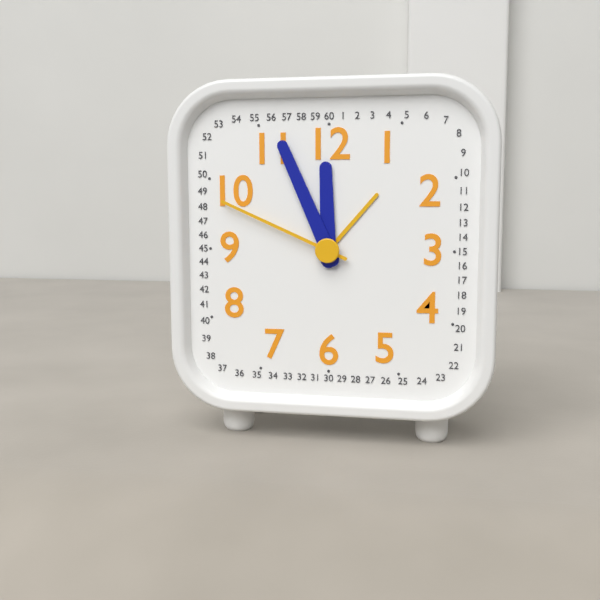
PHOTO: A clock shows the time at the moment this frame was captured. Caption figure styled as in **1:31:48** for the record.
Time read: **11:56:49**
